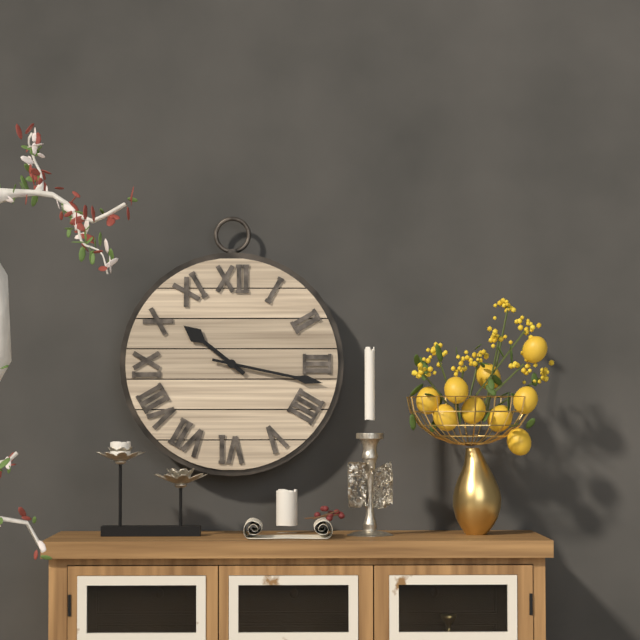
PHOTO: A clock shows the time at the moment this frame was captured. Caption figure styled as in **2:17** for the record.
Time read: **10:17**
